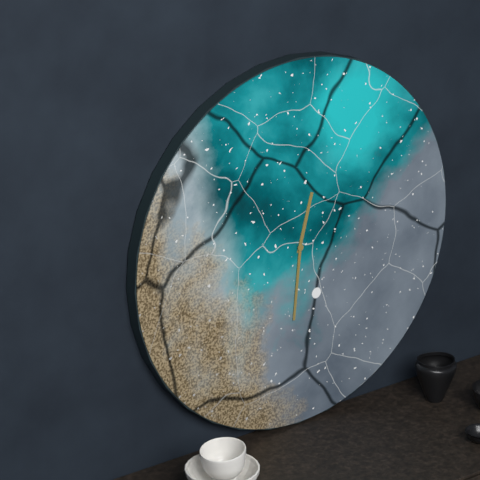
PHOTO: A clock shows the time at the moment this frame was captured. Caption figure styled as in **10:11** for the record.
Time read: **12:31**
